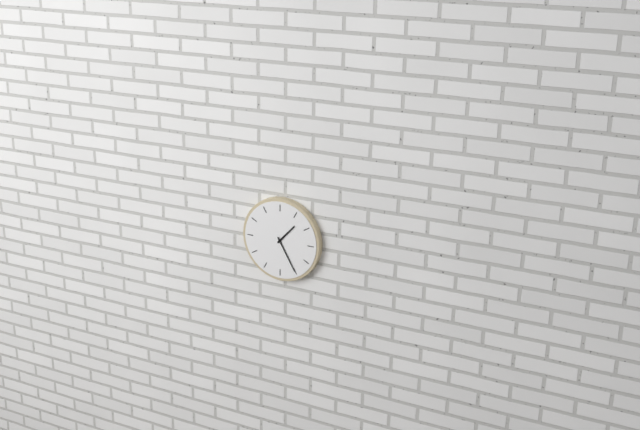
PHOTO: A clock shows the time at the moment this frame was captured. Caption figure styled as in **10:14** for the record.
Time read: **1:25**
